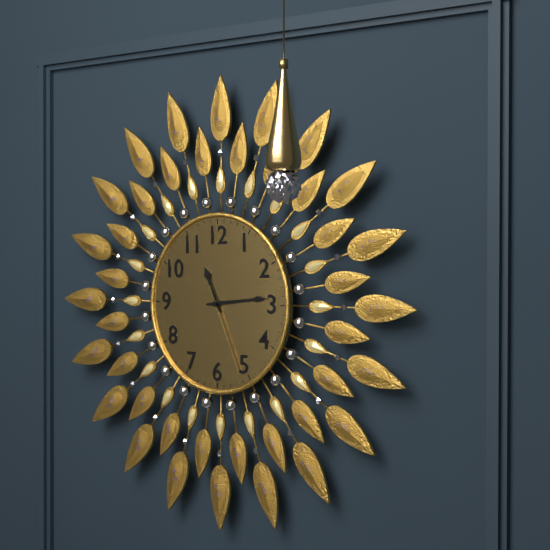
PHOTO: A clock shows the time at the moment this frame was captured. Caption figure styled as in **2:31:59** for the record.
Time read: **11:14:26**
